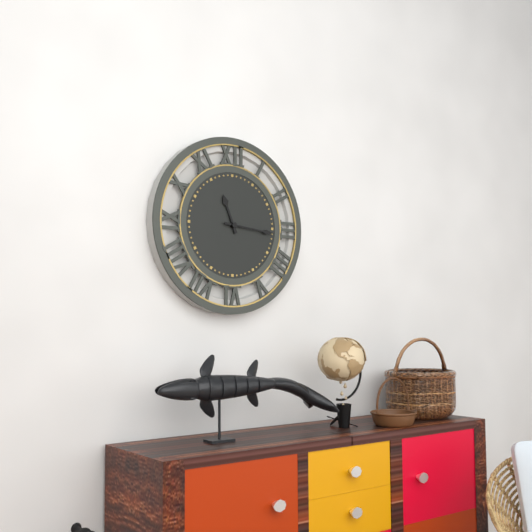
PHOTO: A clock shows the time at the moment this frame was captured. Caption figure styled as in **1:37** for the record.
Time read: **11:16**
